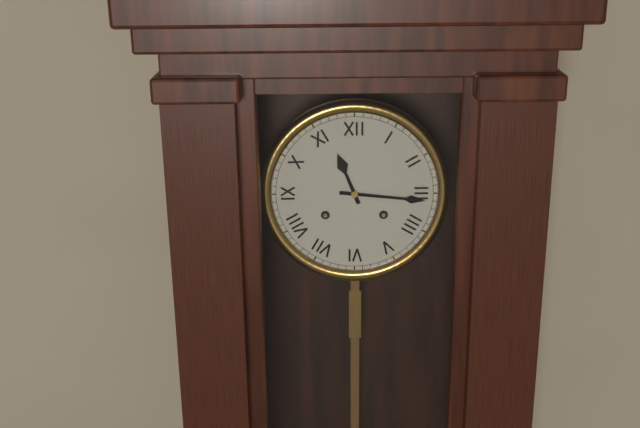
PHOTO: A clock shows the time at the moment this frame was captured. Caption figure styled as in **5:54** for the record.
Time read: **11:16**
